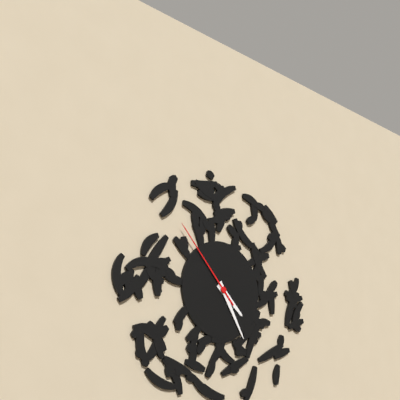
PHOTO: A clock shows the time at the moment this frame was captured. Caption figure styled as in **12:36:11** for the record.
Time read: **4:25:53**
